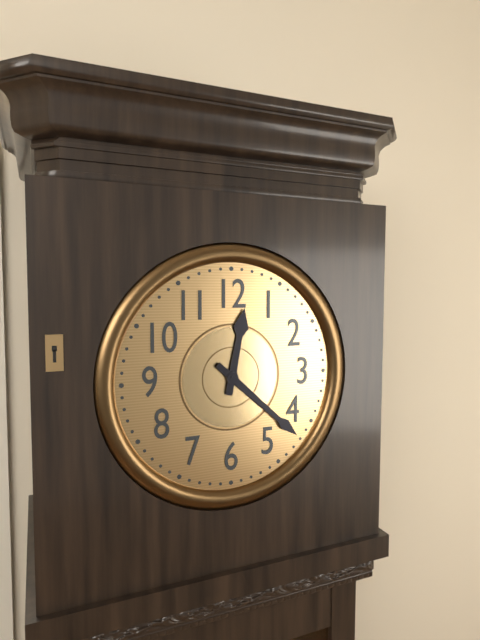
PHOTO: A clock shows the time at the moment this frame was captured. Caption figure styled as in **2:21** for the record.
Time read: **12:22**
